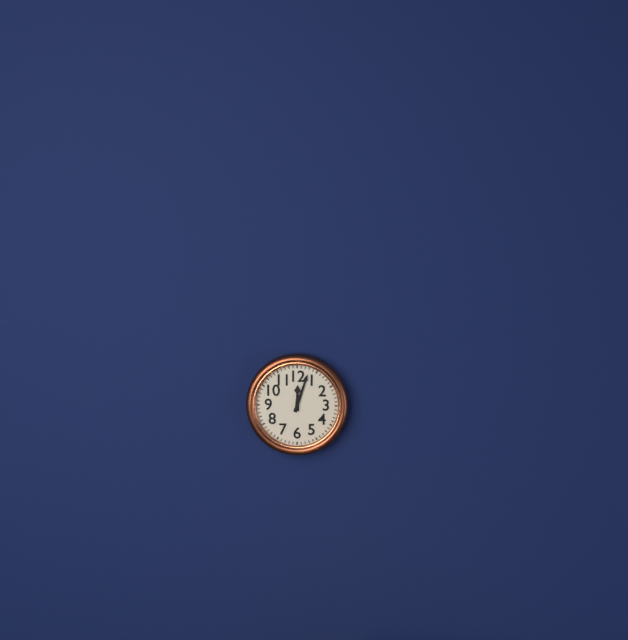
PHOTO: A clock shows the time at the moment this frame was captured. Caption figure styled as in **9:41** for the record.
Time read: **12:03**
